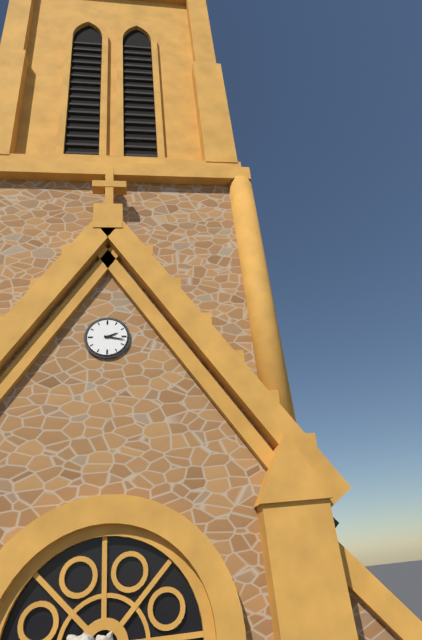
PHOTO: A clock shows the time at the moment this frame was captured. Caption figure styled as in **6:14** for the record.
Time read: **2:17**
